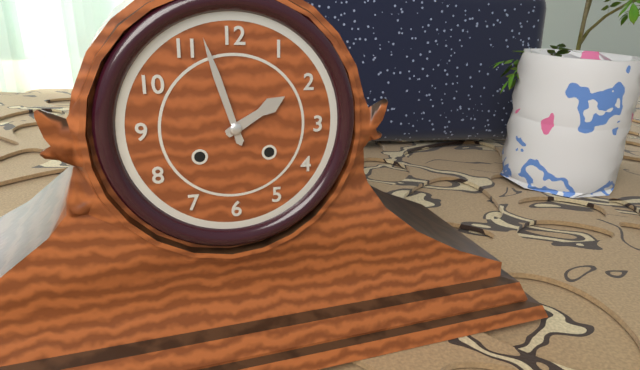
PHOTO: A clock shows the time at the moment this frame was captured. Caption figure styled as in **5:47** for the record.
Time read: **1:57**
